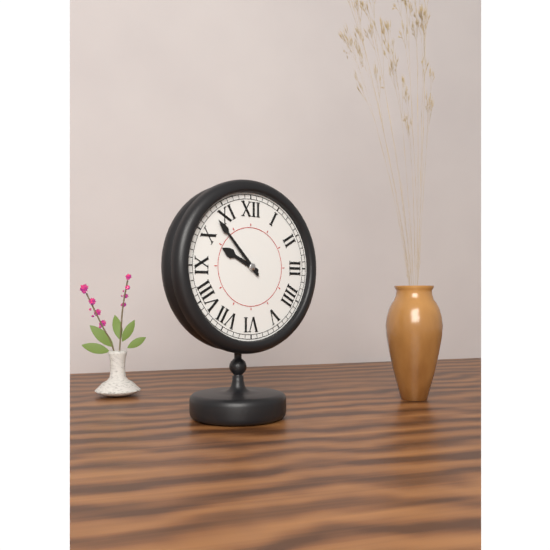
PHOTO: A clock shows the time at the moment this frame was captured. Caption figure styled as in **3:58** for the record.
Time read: **9:53**
